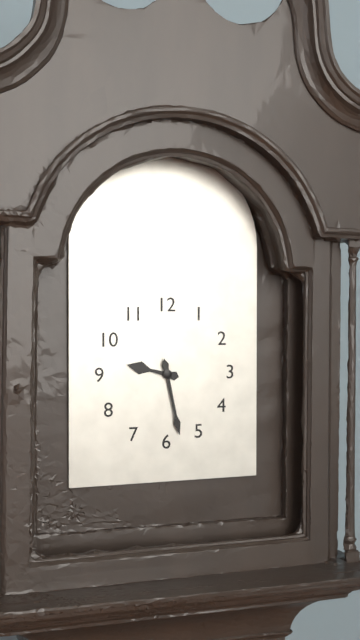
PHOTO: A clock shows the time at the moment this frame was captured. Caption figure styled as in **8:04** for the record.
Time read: **9:28**
